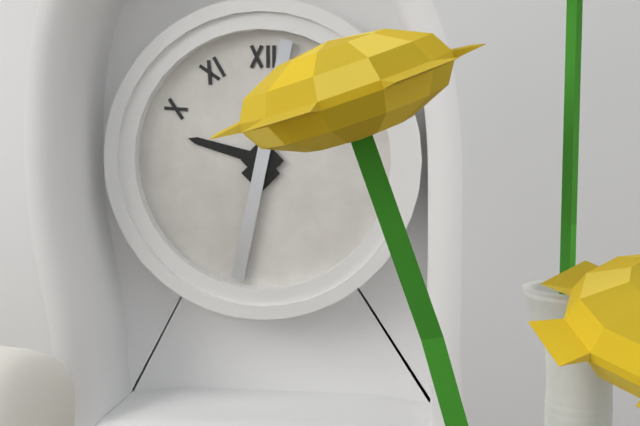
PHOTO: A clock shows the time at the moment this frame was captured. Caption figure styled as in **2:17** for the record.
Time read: **9:32**
